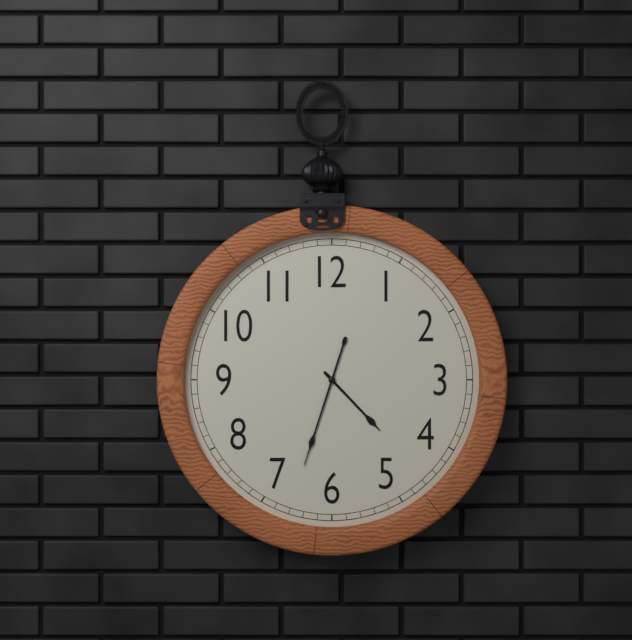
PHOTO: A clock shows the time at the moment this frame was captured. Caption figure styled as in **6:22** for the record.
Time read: **4:33**
